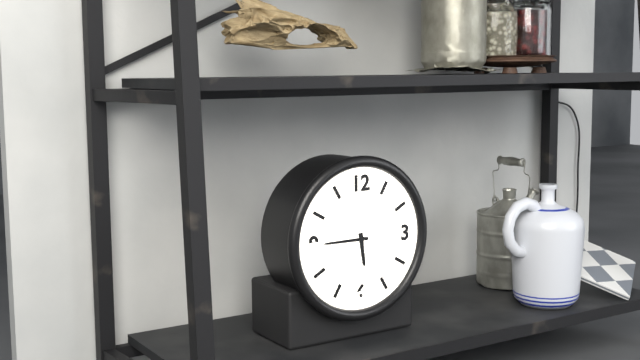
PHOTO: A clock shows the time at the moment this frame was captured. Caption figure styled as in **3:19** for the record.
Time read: **5:45**
